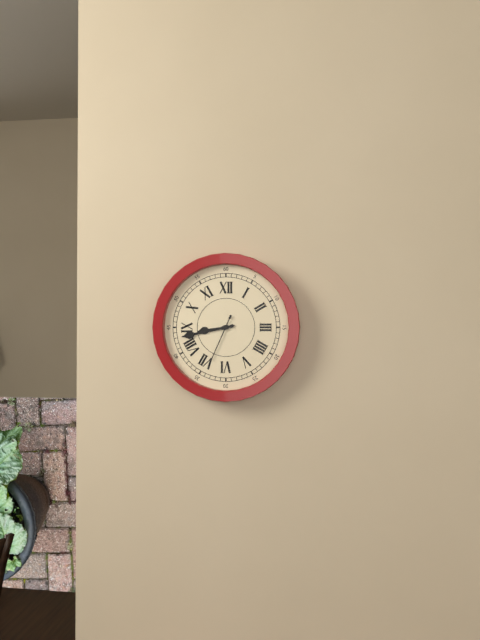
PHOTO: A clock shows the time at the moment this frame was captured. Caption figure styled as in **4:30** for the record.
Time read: **8:43**
